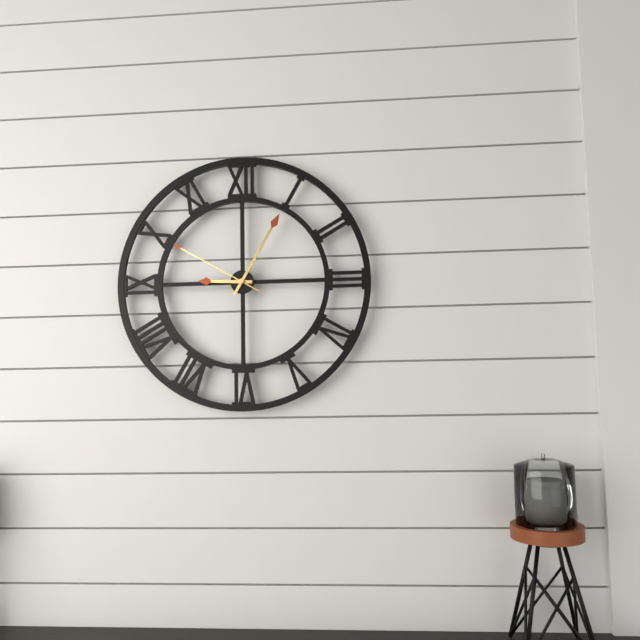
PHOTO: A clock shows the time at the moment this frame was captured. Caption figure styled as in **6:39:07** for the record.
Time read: **9:05:50**
